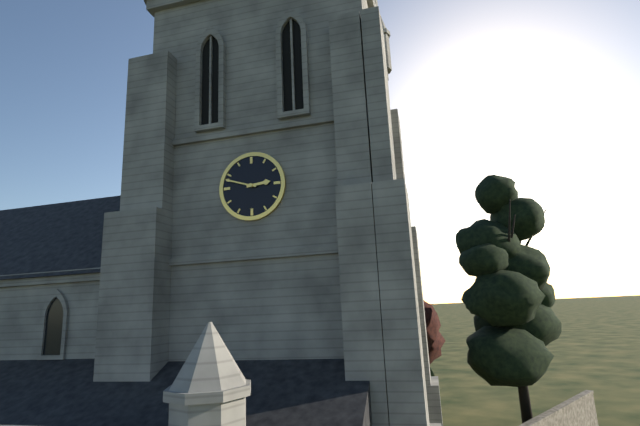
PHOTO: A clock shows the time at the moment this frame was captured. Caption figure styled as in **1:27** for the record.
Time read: **2:48**
